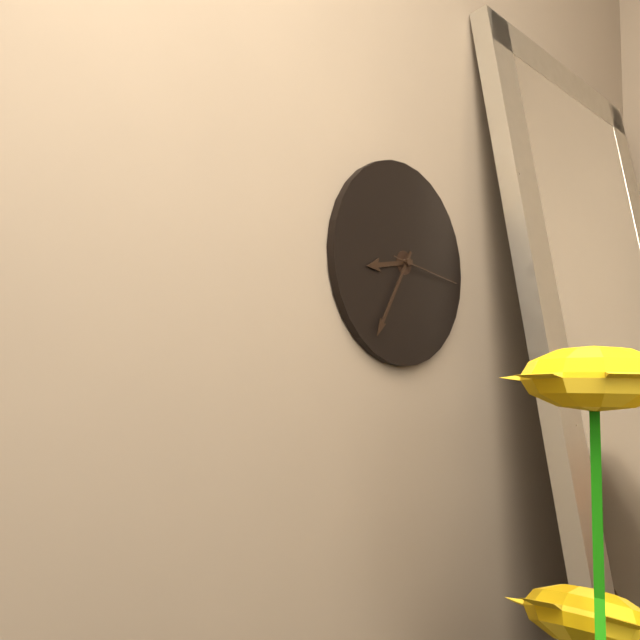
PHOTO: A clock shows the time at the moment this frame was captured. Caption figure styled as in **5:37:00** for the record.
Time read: **8:35:16**
